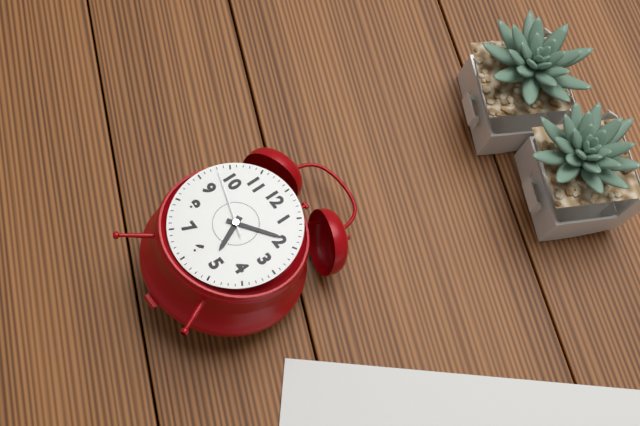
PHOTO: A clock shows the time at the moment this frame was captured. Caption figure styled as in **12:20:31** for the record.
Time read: **5:09:48**
